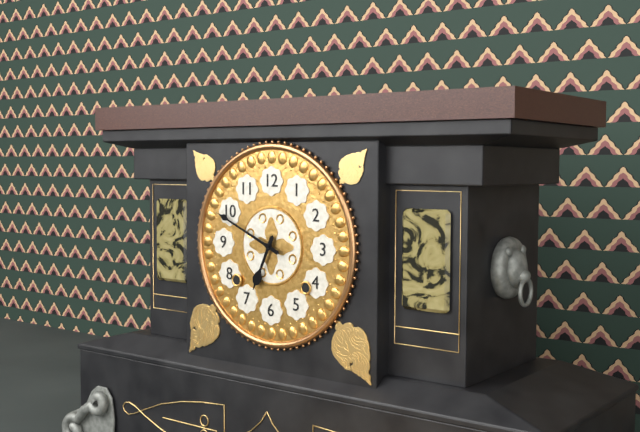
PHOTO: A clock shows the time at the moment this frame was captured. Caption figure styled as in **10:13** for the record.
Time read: **6:49**
